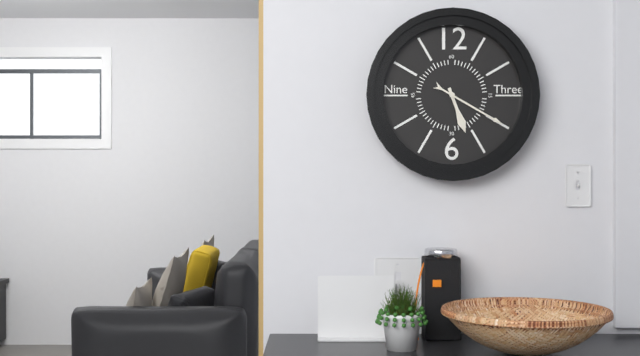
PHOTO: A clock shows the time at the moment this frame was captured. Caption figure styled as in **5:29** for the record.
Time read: **5:20**
